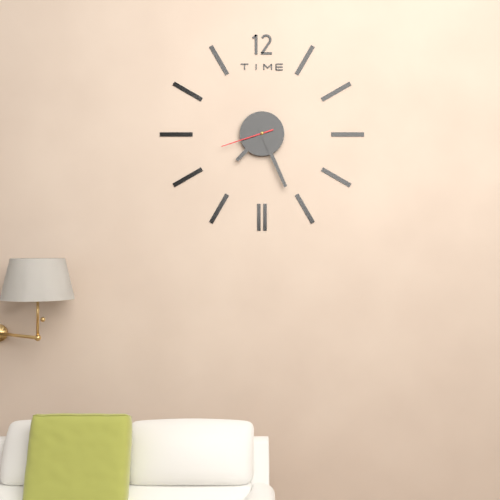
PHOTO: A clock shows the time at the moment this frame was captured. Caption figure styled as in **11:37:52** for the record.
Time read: **7:26:42**
